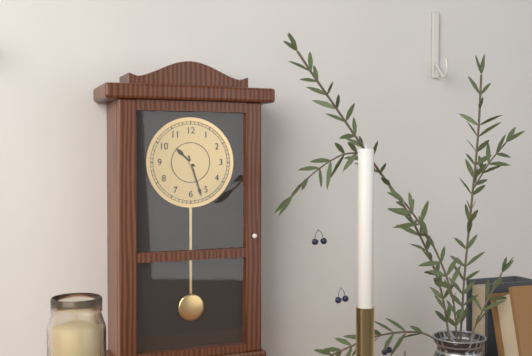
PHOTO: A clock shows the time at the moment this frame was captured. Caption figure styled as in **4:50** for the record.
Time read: **10:27**
